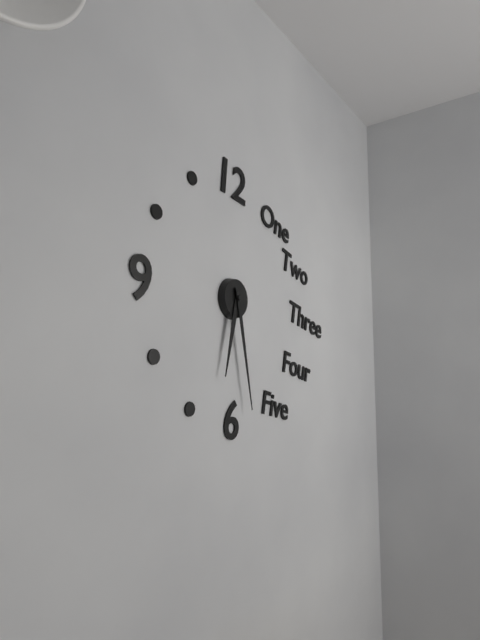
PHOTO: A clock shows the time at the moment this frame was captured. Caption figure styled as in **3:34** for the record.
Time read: **6:28**
